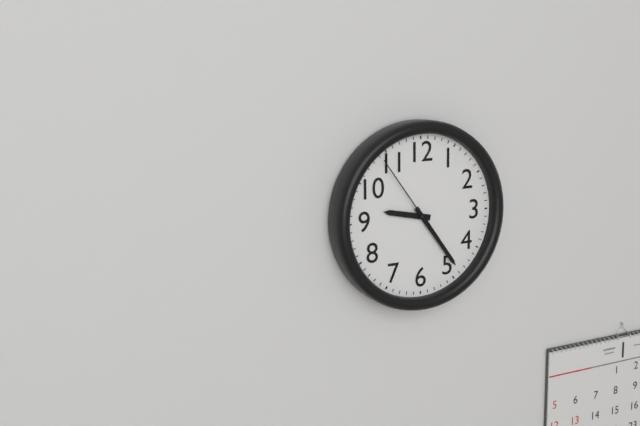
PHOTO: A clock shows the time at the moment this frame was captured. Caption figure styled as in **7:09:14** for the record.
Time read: **9:24:54**
